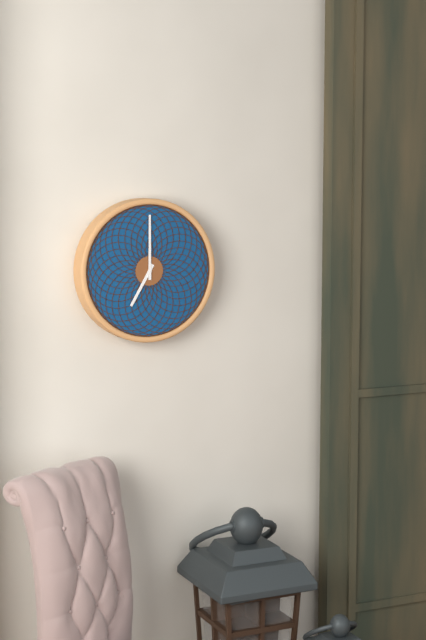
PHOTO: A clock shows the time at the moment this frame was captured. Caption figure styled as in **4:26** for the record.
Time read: **7:00**
